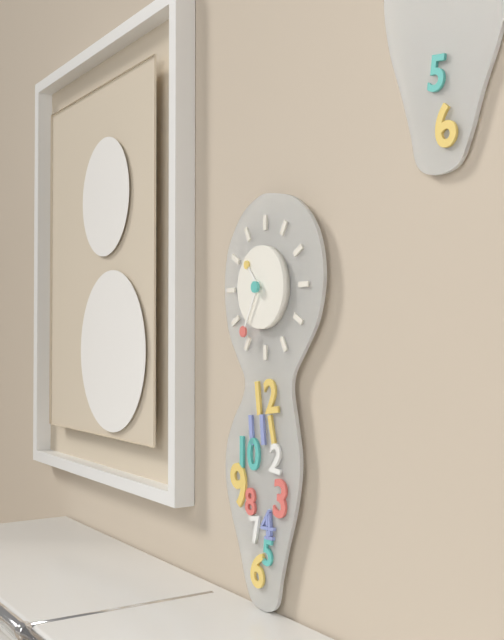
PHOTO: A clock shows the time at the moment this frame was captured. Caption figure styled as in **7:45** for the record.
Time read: **10:35**
